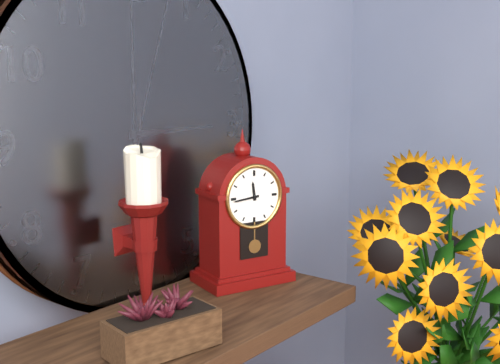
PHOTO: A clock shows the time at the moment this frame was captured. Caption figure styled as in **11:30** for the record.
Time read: **11:44**
